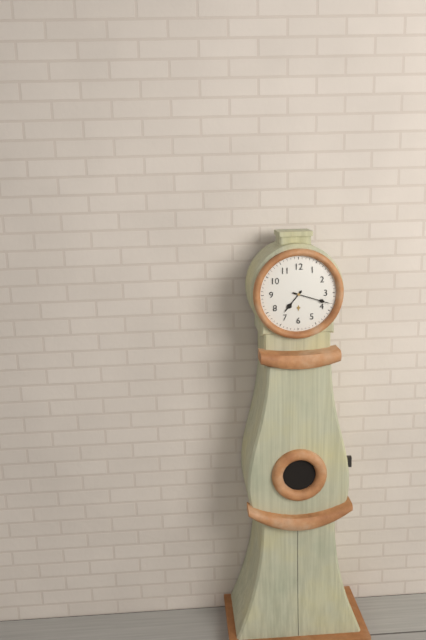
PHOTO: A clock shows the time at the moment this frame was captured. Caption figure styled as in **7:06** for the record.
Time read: **7:18**
